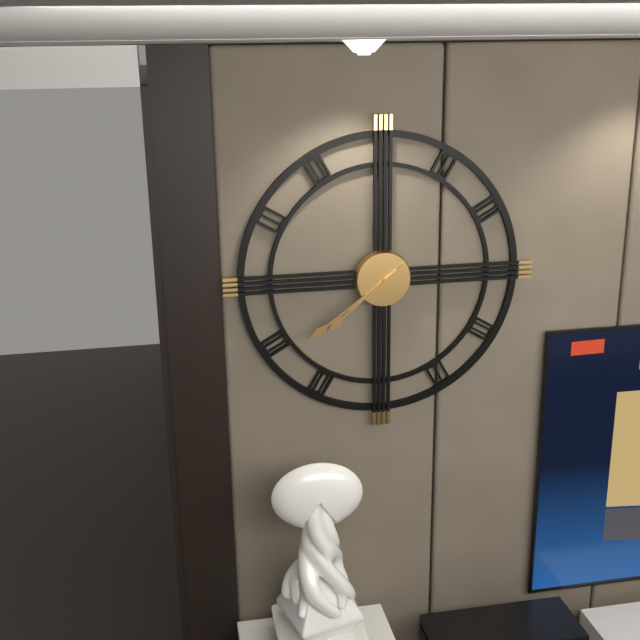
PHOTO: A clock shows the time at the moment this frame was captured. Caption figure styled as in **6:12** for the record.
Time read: **7:39**
